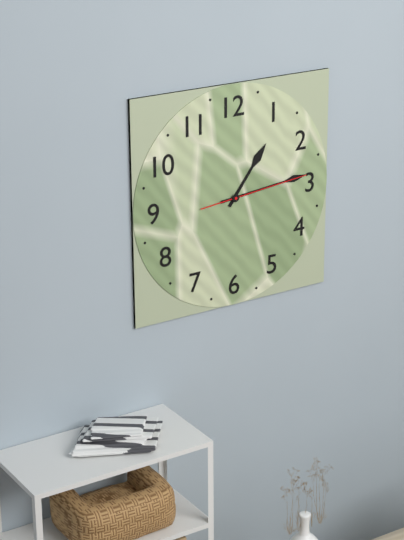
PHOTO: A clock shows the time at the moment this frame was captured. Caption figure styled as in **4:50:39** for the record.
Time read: **1:14:14**
